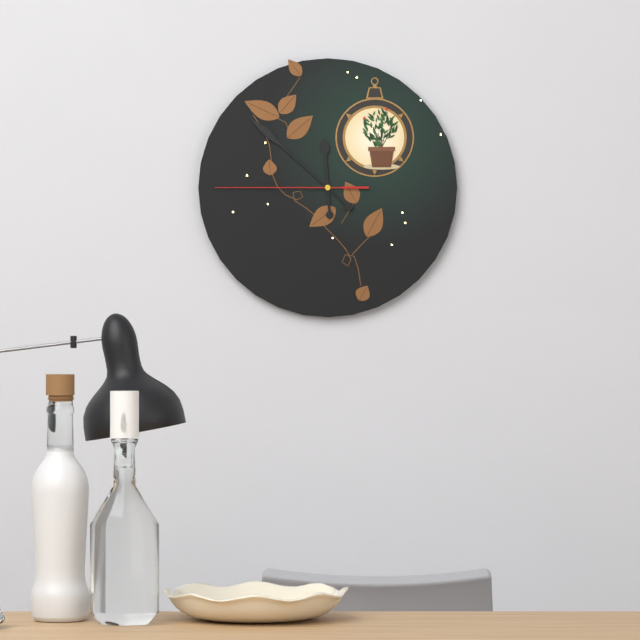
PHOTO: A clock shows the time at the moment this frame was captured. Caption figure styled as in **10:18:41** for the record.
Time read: **11:52:45**
